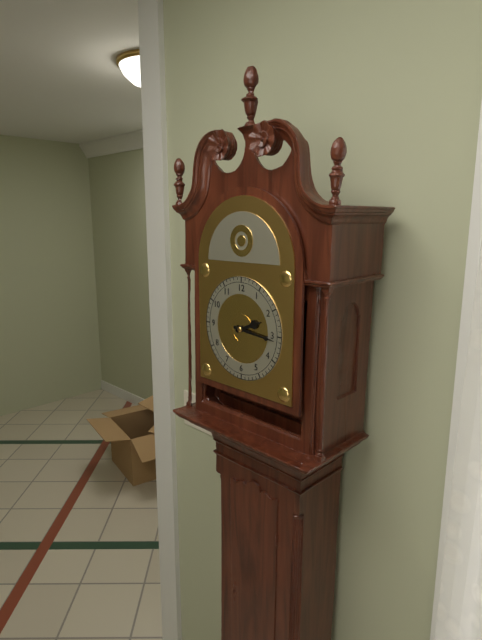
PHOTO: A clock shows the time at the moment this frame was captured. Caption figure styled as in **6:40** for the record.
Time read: **2:16**
